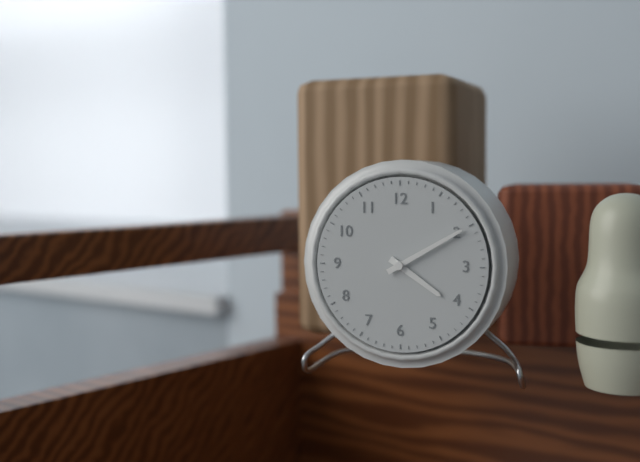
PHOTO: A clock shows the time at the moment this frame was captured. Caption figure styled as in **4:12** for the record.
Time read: **4:10**
